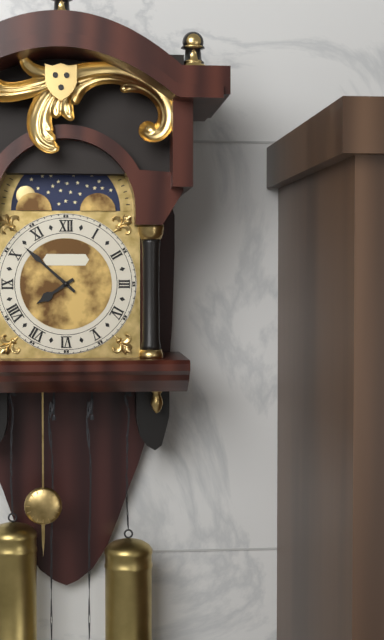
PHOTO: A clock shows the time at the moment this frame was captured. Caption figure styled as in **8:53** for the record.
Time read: **7:52**
